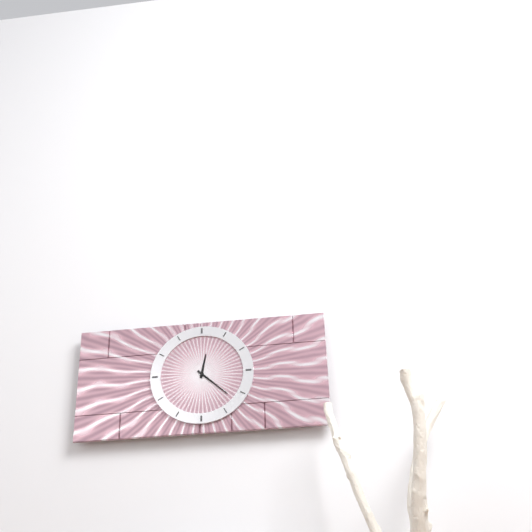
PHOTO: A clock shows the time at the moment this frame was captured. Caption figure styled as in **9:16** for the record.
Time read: **12:22**
